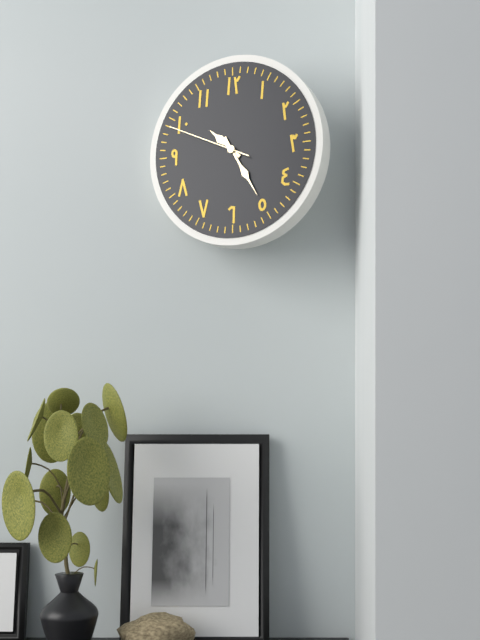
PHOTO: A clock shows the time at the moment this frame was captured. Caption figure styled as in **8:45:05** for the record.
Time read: **10:25:49**
